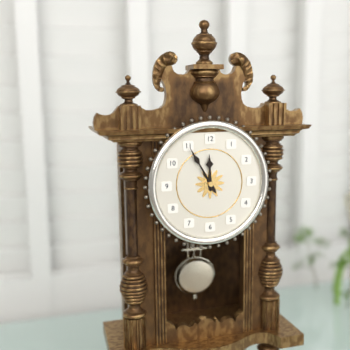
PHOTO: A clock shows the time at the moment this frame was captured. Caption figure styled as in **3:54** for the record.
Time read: **11:55**
